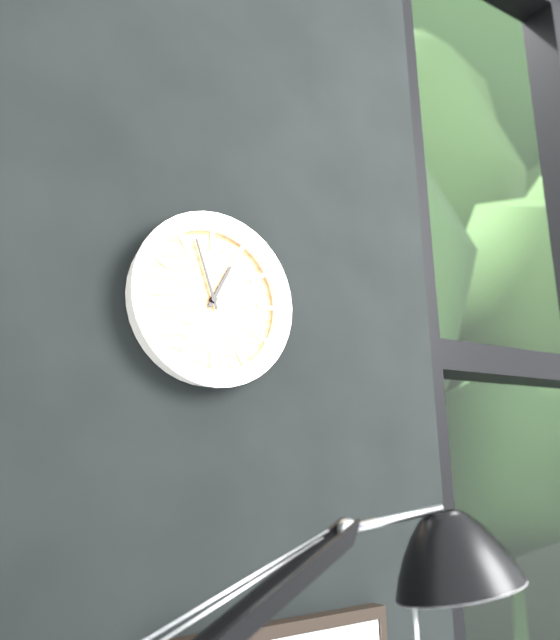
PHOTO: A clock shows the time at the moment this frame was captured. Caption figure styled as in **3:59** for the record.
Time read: **12:57**
